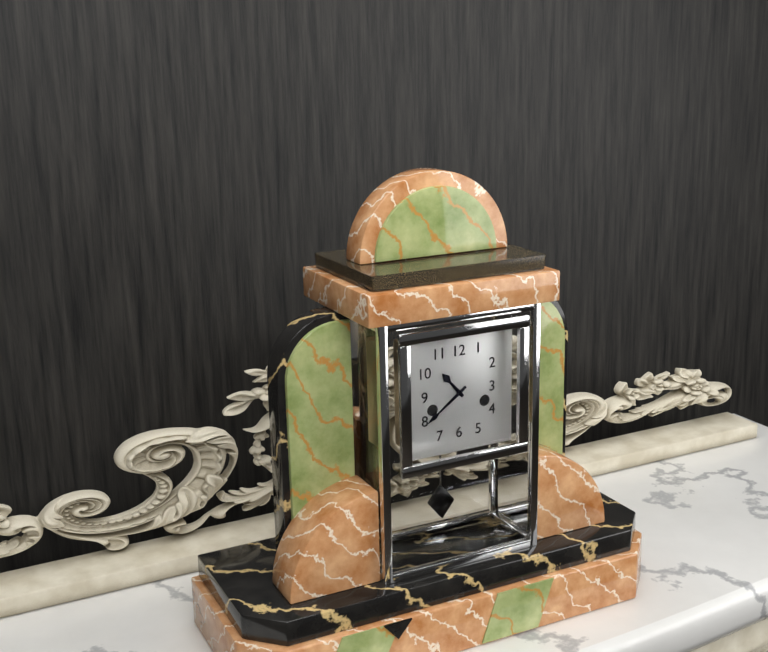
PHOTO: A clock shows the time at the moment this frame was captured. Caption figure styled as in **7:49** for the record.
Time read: **10:39**
